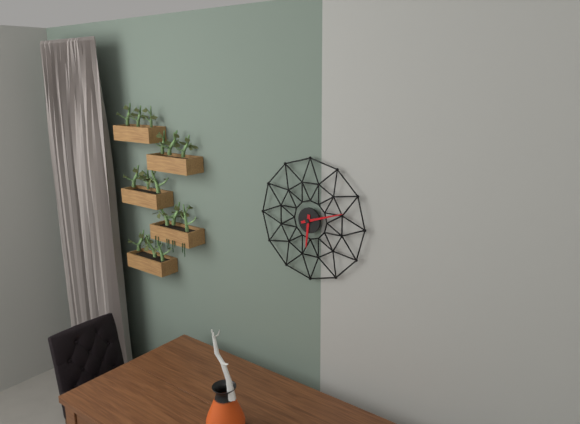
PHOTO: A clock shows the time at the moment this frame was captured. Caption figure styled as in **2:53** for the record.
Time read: **6:12**
